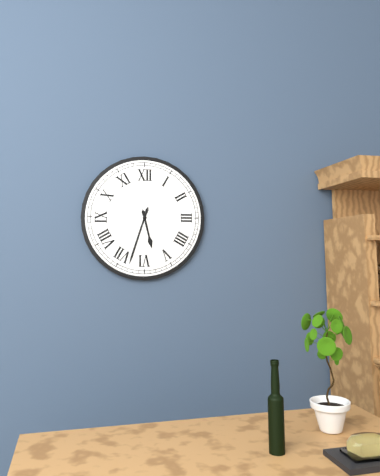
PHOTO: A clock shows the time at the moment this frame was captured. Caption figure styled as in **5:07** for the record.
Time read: **5:33**
